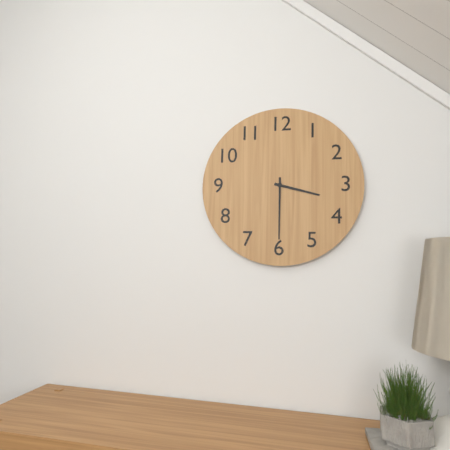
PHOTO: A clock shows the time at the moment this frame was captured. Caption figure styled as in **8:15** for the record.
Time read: **3:30**
